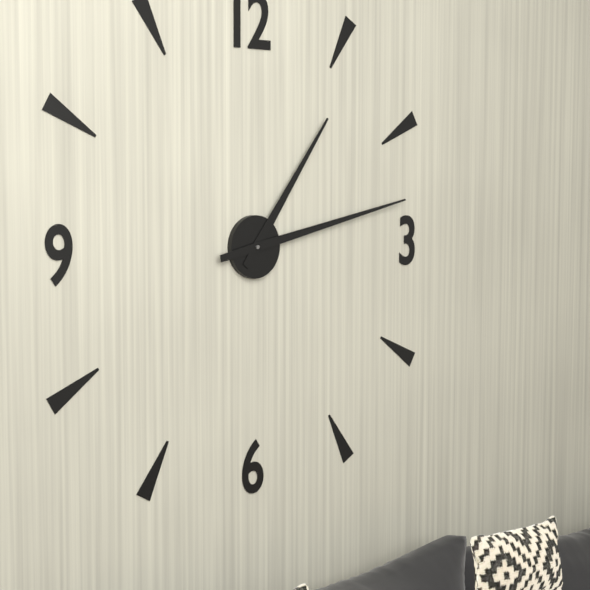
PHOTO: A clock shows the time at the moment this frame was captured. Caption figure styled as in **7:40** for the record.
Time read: **1:13**
